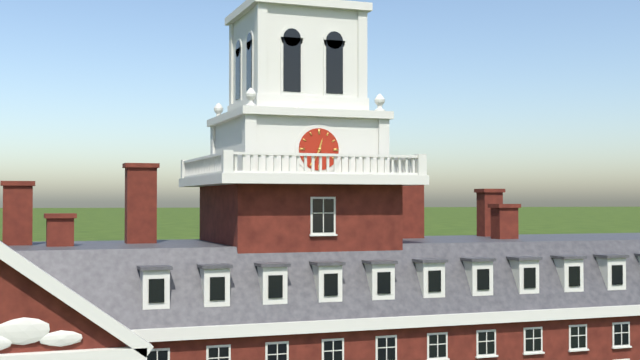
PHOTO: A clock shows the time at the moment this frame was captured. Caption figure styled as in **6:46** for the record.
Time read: **12:34**
